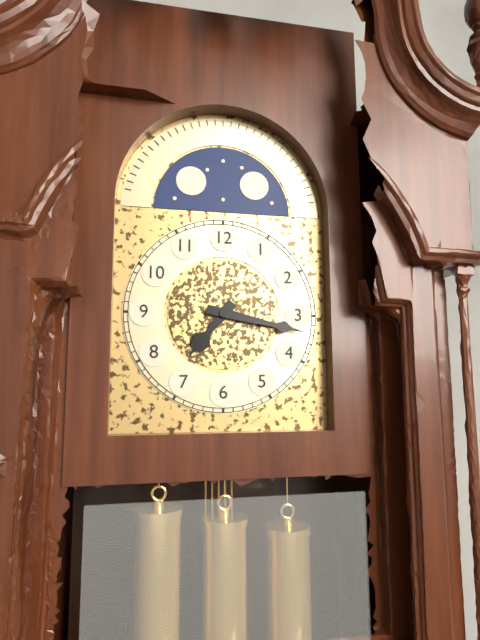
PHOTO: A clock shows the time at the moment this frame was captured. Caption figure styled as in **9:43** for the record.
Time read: **7:17**
